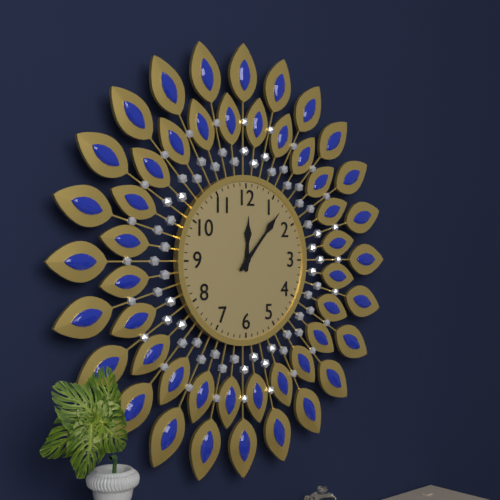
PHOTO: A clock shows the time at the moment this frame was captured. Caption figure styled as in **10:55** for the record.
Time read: **12:07**
